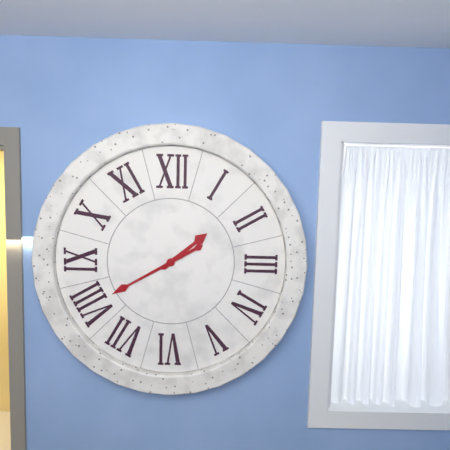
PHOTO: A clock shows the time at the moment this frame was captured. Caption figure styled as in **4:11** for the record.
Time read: **1:40**
